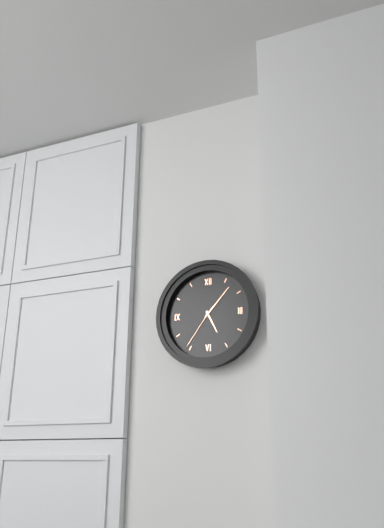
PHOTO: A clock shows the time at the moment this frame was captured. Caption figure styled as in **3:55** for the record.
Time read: **5:07**
